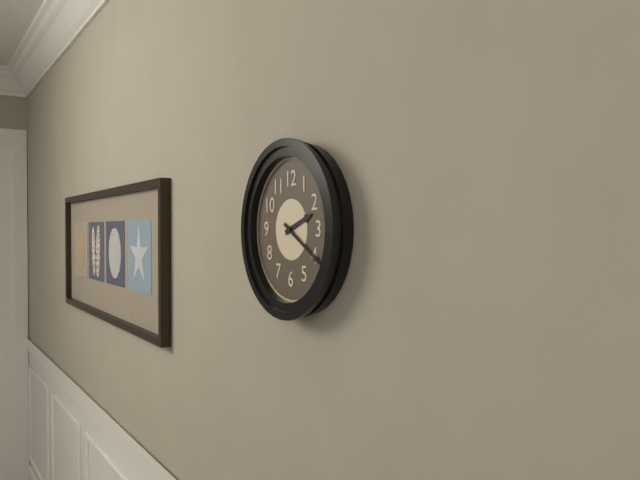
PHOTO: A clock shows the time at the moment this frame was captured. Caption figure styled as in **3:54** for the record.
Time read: **2:20**
